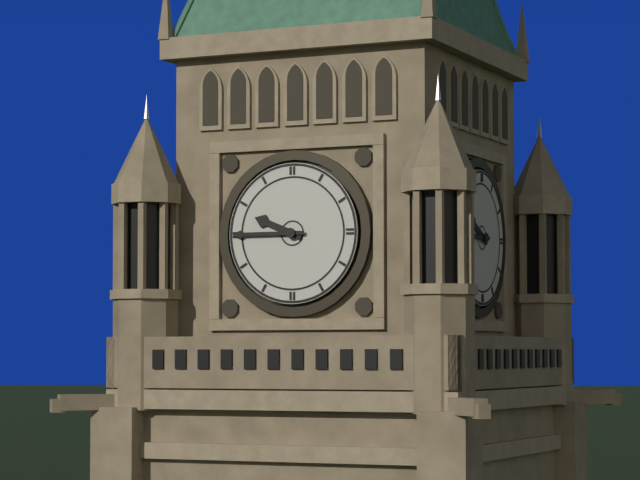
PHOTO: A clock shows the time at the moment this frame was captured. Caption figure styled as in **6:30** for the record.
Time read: **9:45**
